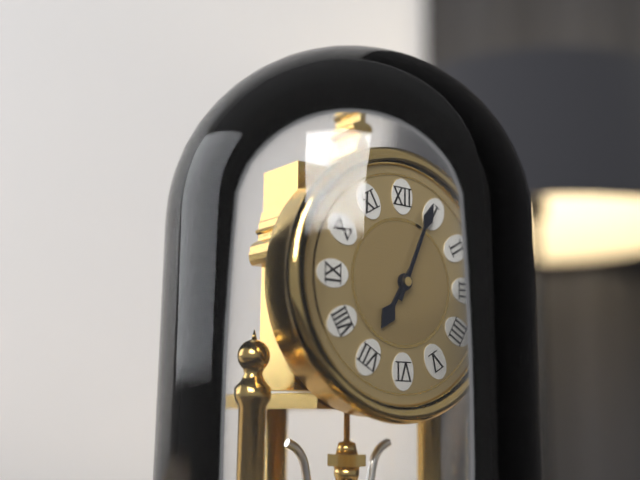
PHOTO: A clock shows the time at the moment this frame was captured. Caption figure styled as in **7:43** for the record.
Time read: **7:04**
